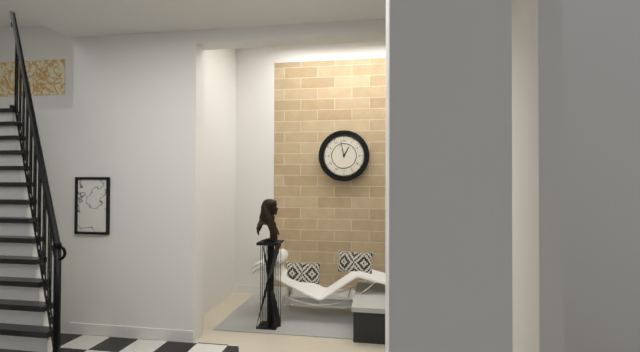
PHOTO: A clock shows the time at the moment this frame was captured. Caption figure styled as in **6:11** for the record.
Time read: **12:58**
